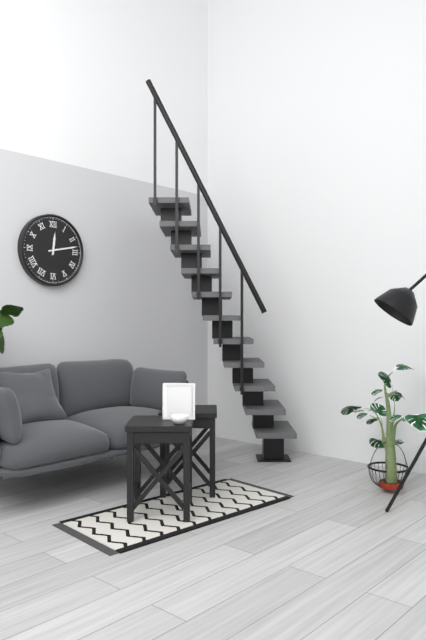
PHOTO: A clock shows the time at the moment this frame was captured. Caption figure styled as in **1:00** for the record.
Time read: **12:13**
